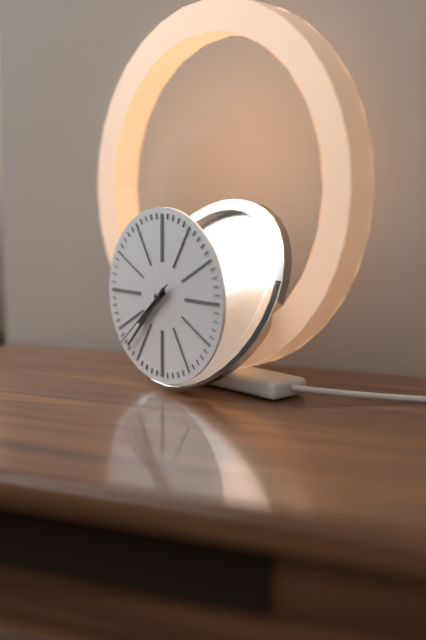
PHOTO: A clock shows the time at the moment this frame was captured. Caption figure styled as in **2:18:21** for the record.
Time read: **7:37:38**
